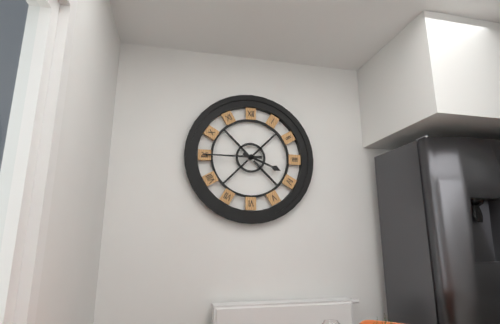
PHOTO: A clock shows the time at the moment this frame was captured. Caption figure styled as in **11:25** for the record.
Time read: **3:45**
